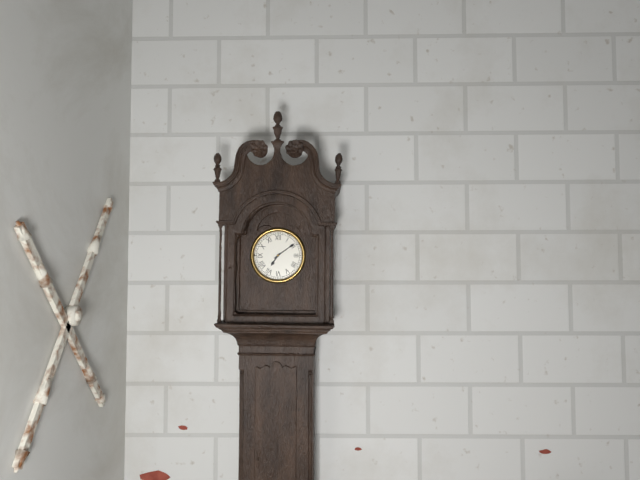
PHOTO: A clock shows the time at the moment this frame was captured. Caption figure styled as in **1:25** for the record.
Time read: **7:09**
